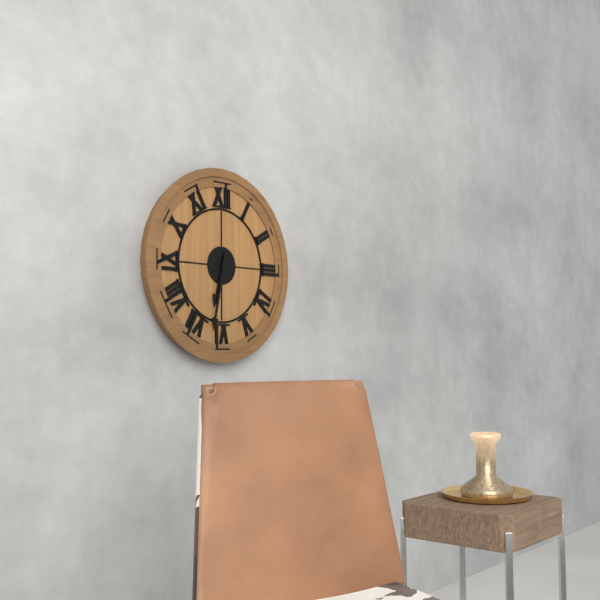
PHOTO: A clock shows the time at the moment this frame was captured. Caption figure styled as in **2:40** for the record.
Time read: **6:32**
